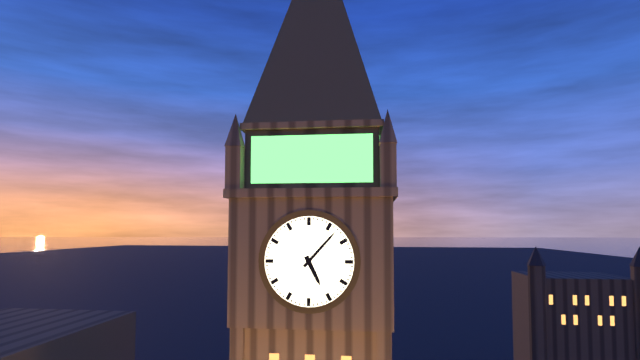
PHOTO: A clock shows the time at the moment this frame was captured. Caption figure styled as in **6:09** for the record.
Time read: **5:07**
